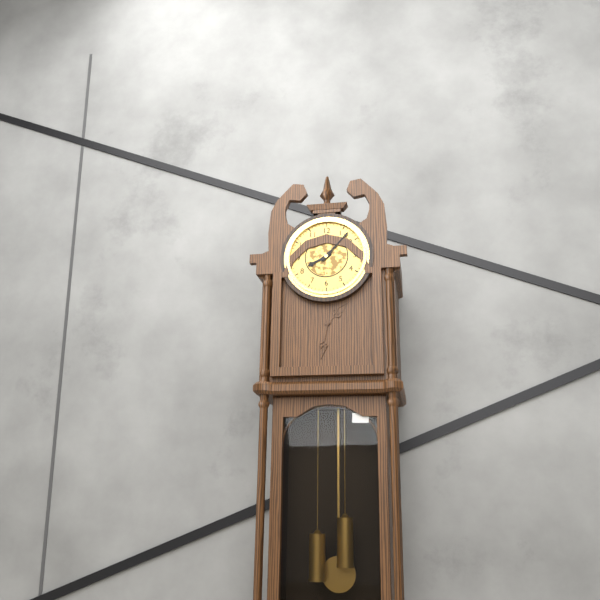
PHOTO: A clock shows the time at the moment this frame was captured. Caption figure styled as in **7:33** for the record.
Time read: **8:07**
